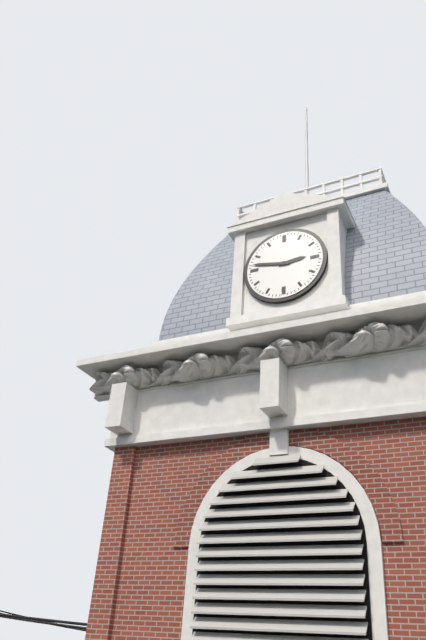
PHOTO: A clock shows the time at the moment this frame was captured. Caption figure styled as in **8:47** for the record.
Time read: **2:47**
